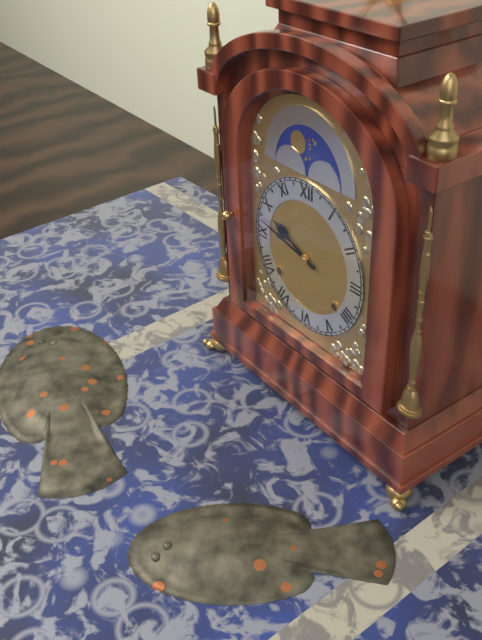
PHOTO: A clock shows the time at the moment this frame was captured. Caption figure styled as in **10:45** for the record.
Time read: **9:47**
